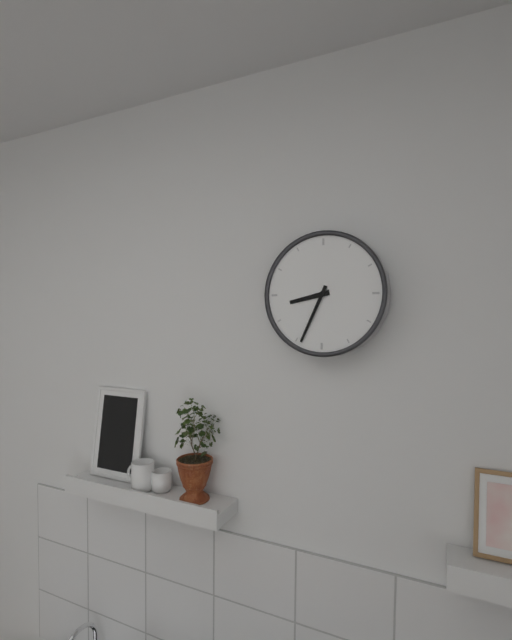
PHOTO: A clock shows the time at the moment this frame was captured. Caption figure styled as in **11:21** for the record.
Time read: **8:34**
